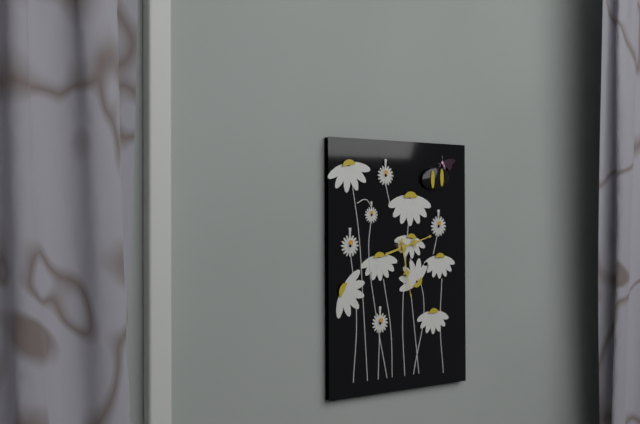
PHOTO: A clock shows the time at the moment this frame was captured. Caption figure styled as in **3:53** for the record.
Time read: **2:28**
